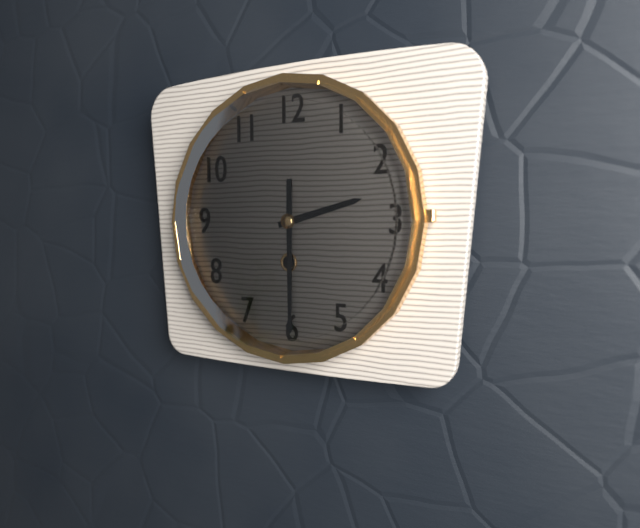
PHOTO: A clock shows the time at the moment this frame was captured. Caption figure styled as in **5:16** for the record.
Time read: **2:30**
